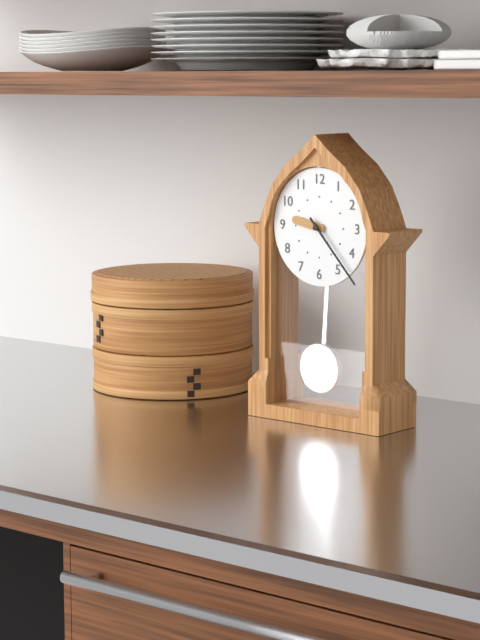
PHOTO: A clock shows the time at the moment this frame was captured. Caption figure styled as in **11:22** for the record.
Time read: **9:23**
